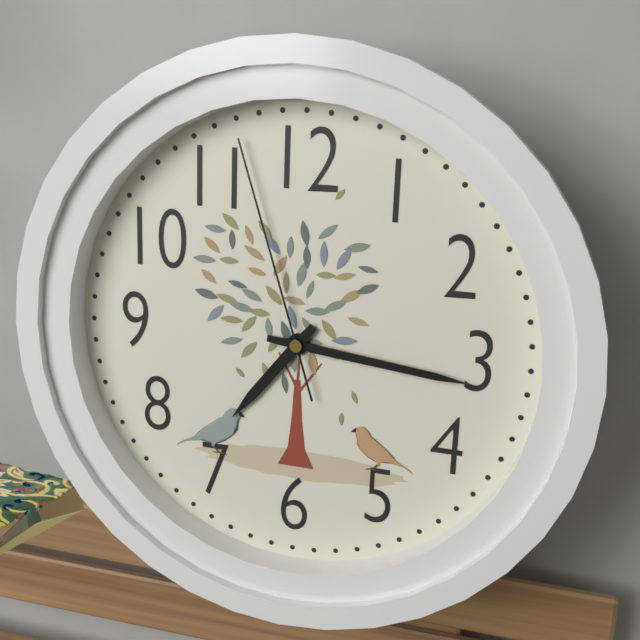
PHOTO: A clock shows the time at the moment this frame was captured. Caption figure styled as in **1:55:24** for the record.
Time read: **7:16:57**
